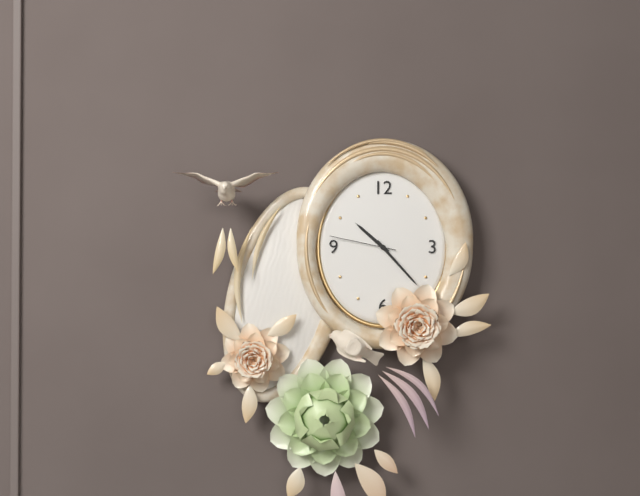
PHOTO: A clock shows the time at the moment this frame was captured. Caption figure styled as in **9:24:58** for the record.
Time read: **10:23:47**
